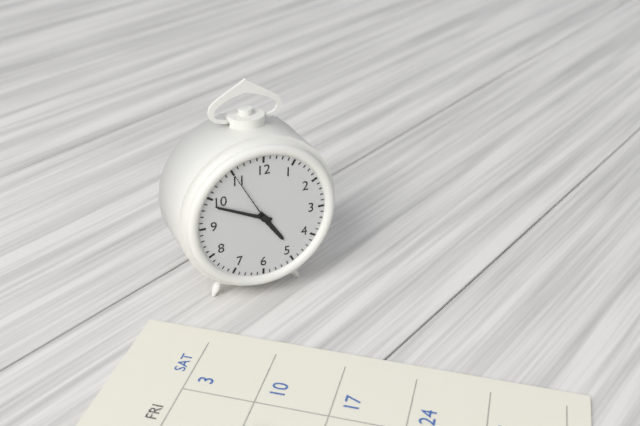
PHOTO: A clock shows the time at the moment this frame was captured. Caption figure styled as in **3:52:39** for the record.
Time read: **4:49:55**
